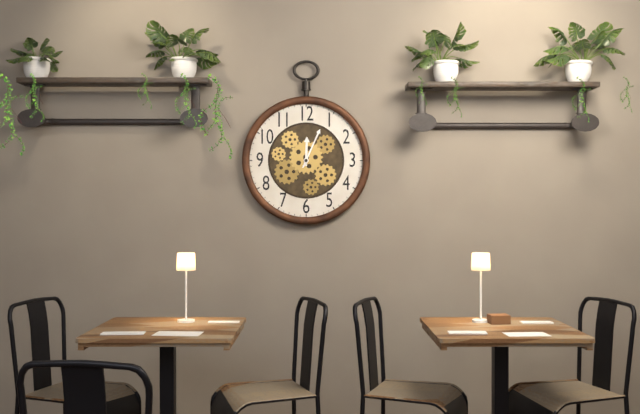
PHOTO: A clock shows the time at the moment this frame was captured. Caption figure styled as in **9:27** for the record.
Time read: **12:04**
